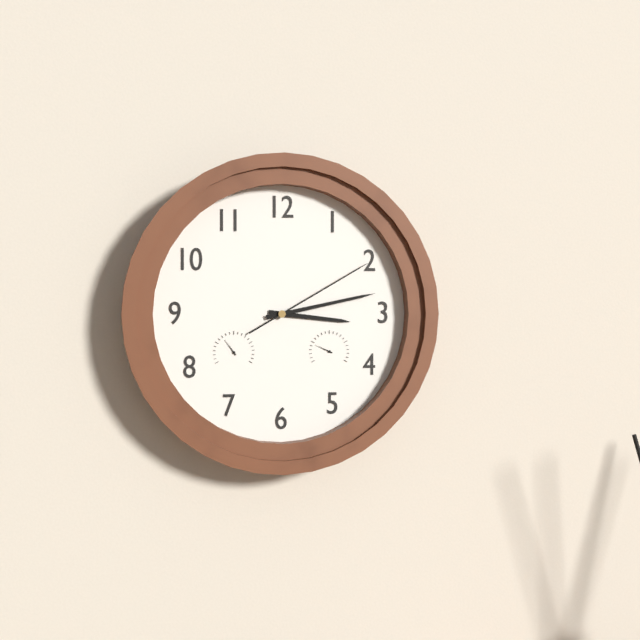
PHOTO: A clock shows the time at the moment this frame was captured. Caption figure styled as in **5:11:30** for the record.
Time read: **3:13:10**
